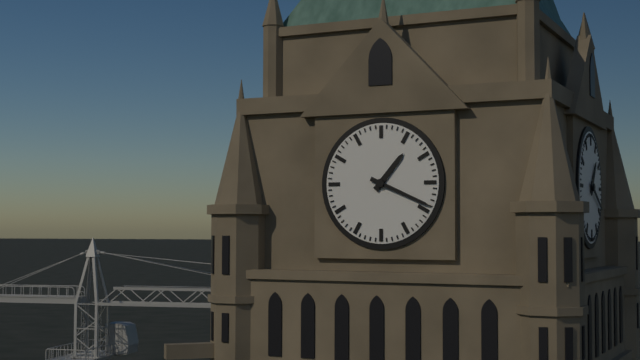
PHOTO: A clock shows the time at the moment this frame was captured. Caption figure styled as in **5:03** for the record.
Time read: **1:19**
